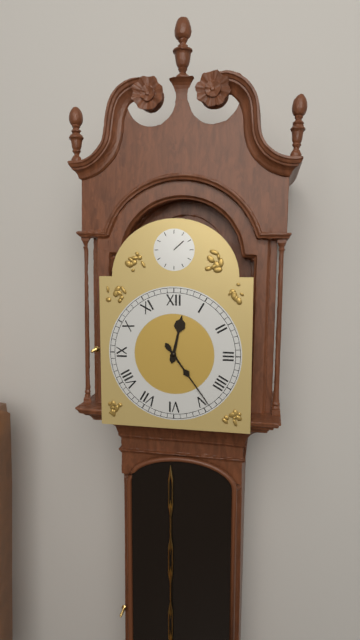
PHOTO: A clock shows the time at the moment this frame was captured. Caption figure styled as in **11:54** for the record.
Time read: **12:24**
